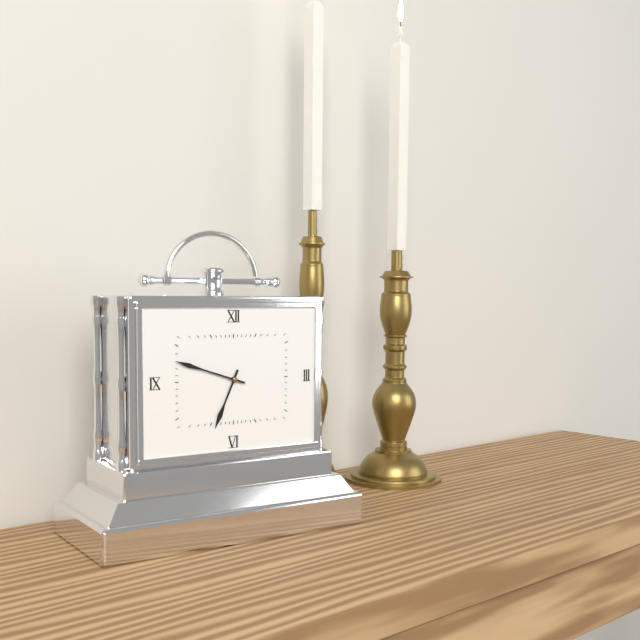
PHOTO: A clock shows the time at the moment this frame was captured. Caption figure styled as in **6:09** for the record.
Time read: **6:48**
